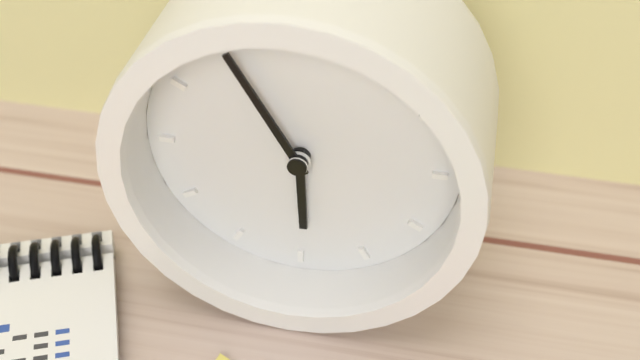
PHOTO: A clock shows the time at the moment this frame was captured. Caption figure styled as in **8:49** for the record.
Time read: **5:55**
